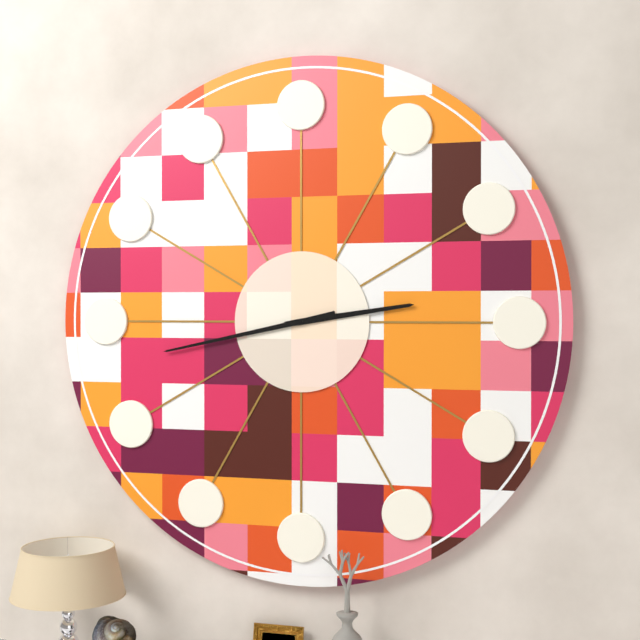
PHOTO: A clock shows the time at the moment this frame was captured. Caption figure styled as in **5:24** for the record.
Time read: **2:43**
